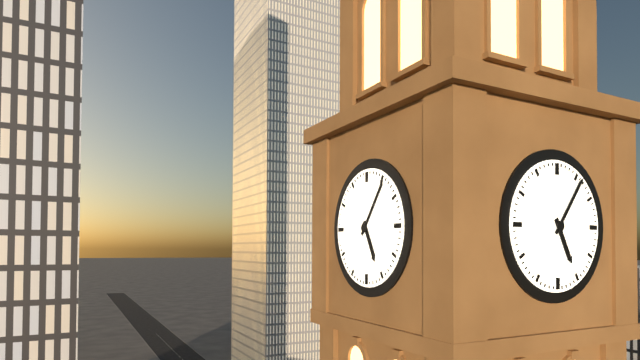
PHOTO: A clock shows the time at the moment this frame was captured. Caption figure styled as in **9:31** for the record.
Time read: **5:06**
